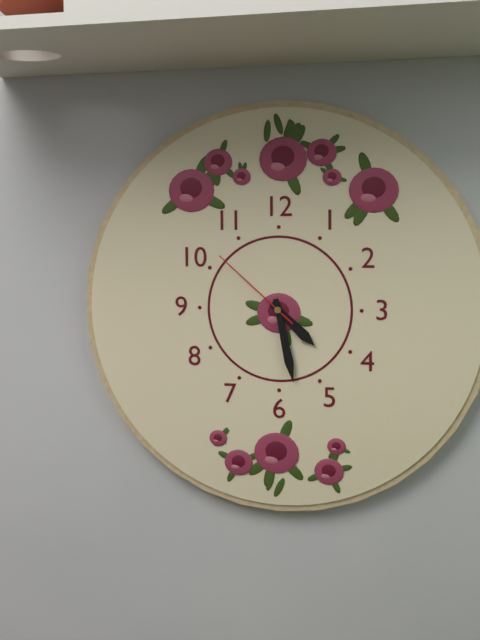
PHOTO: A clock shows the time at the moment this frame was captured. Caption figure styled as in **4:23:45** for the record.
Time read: **4:28:52**
